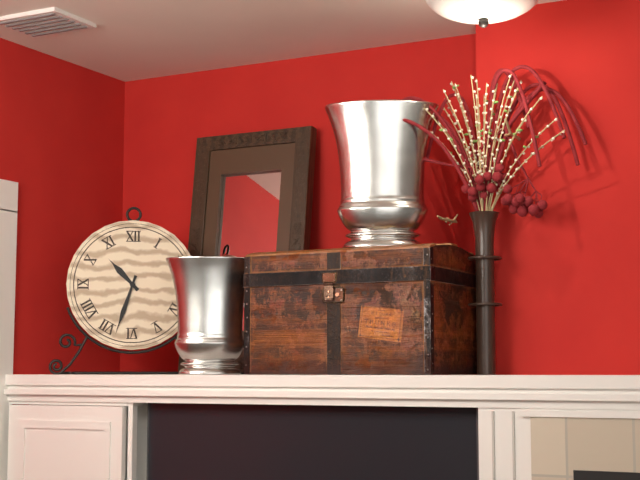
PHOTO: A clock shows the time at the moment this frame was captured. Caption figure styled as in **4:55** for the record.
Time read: **10:33**
